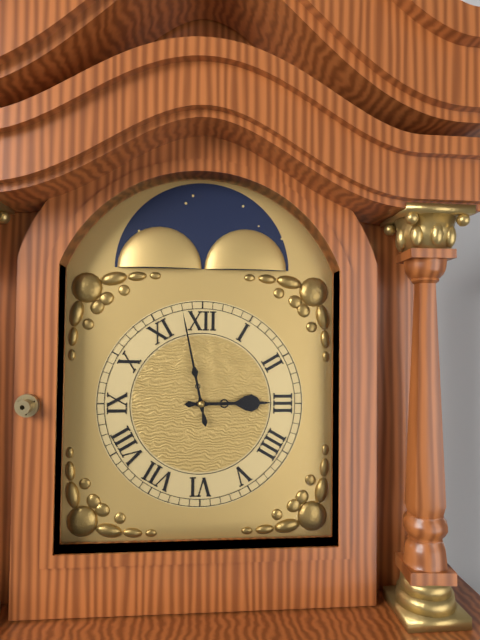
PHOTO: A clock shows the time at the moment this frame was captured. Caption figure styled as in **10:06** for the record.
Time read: **2:58**
